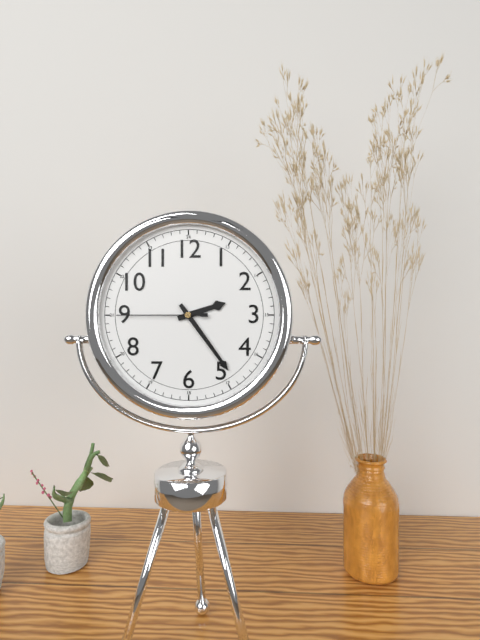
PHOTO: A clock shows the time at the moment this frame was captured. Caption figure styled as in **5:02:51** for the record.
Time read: **2:24:45**
